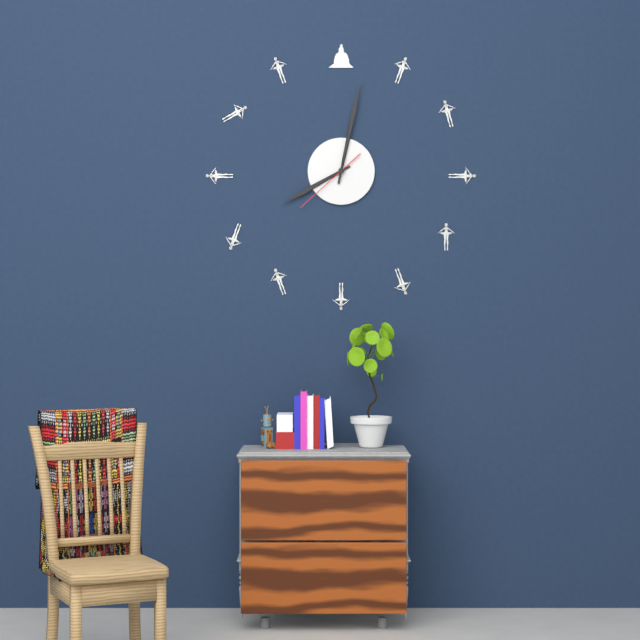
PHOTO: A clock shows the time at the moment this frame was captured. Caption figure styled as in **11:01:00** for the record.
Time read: **8:02:38**
